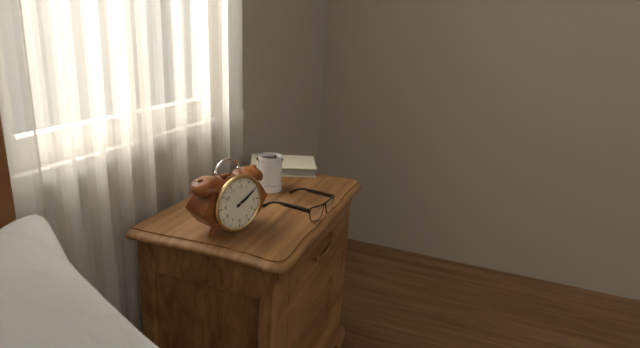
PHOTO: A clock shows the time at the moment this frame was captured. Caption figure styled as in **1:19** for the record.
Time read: **2:10**
